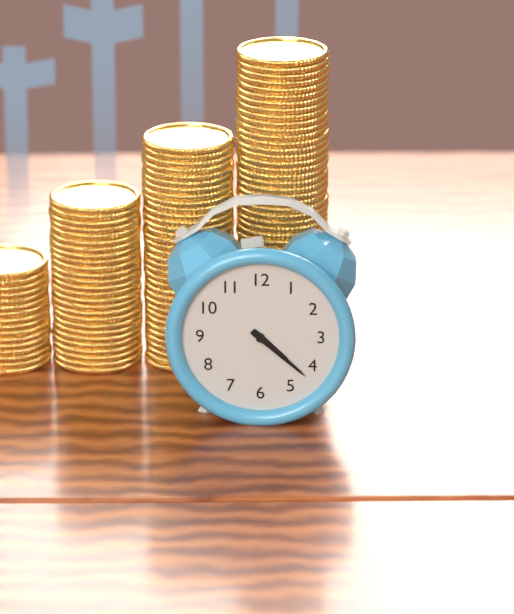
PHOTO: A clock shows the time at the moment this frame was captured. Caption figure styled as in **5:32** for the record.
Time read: **4:22**
